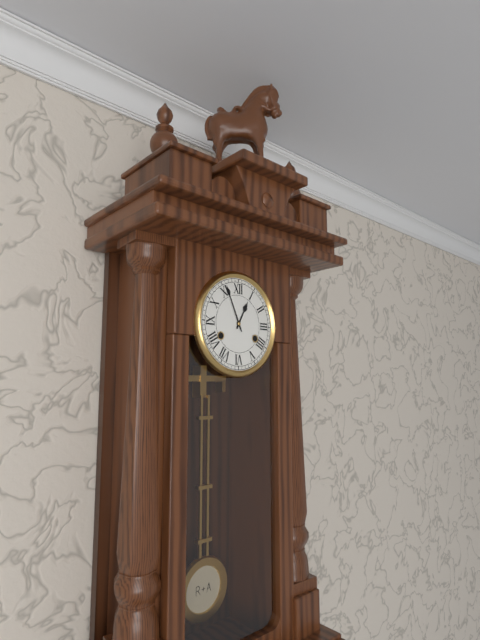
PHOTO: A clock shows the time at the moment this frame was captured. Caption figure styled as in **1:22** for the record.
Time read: **12:56**
